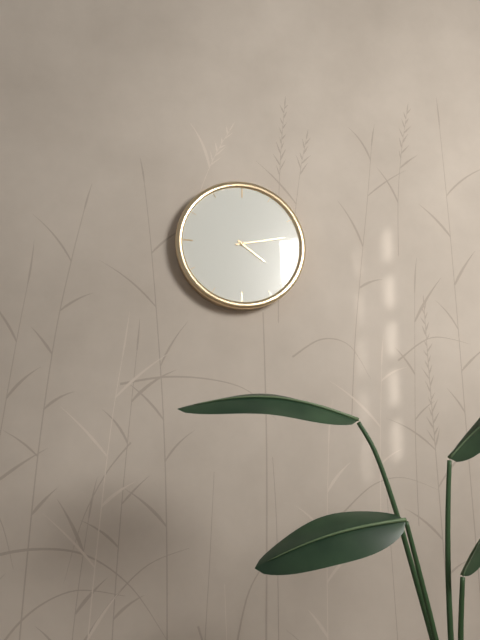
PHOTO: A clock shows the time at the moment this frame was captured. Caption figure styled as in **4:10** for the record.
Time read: **4:13**
